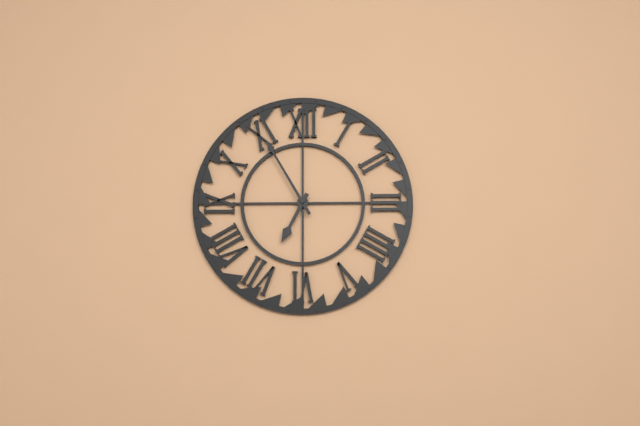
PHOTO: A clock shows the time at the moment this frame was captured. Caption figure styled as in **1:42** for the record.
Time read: **6:55**
